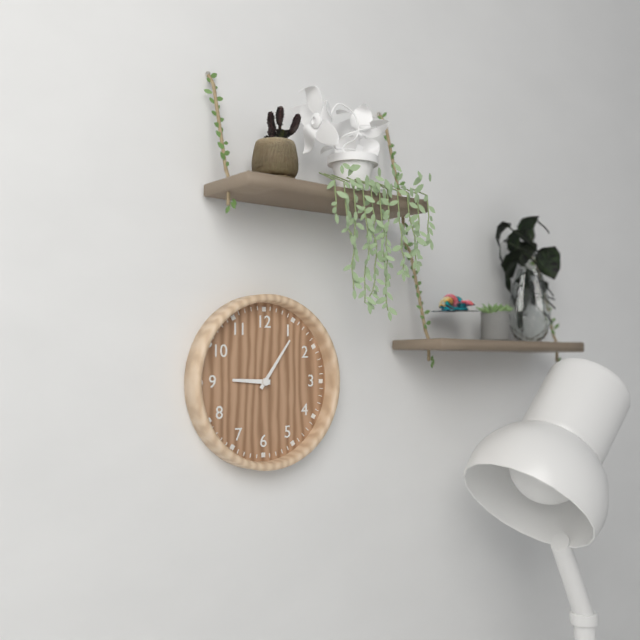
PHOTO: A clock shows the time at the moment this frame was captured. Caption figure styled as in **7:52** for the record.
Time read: **9:06**
